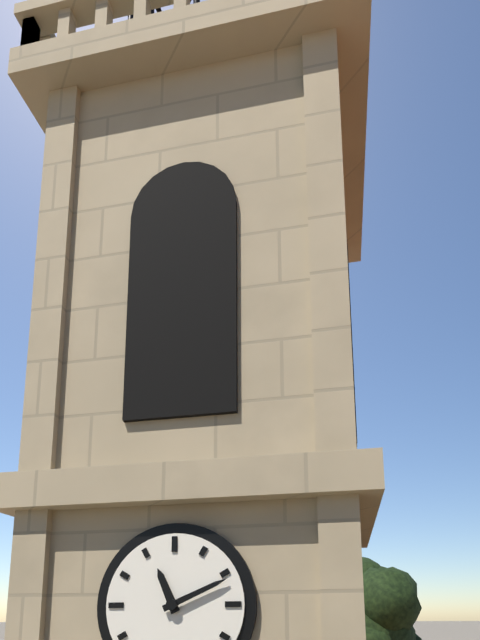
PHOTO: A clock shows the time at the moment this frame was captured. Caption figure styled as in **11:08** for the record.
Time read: **11:11**
